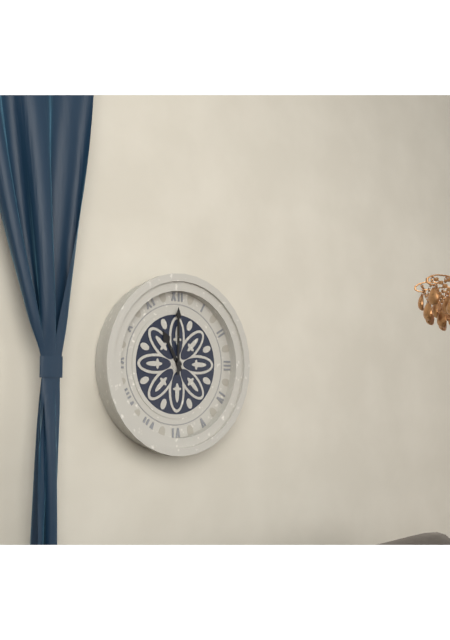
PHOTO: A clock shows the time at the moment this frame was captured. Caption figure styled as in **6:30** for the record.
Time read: **11:00**
